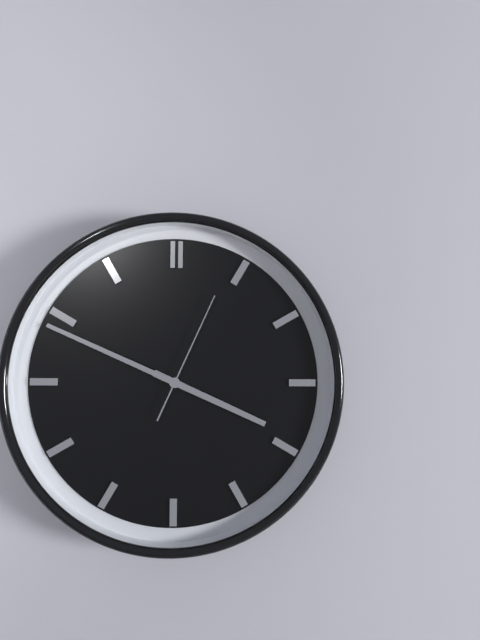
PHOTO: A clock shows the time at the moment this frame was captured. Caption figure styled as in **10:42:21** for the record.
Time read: **3:49:04**
